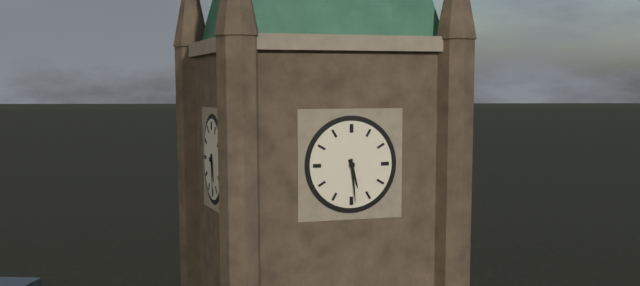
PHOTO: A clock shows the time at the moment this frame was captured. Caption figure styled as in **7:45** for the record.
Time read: **5:29**
